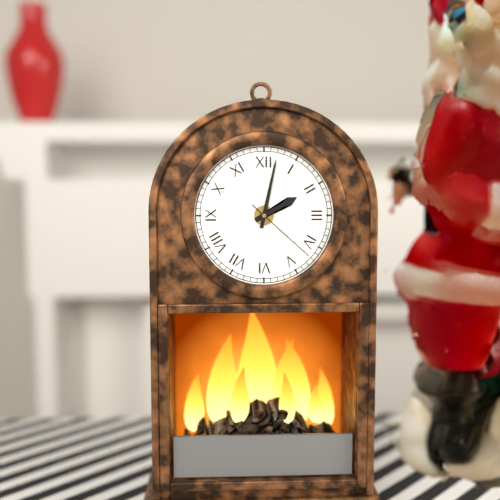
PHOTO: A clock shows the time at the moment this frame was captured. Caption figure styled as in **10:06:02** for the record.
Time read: **2:02:22**
